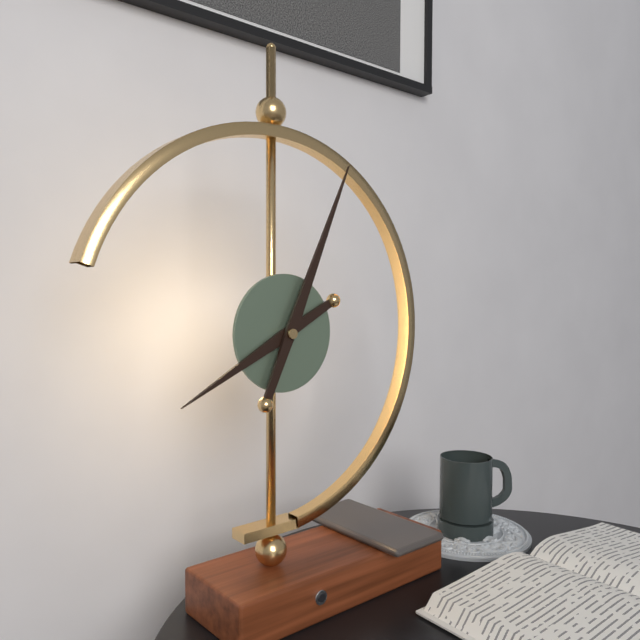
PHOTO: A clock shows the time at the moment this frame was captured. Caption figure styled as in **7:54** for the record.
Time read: **8:04**
